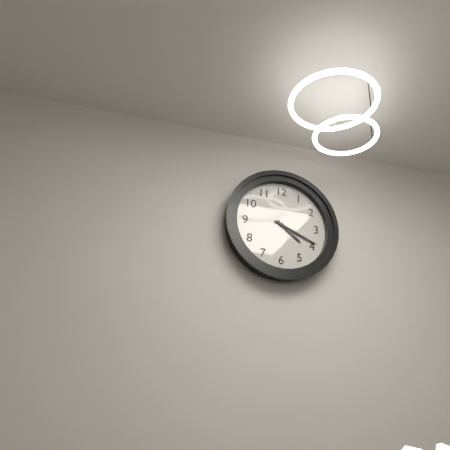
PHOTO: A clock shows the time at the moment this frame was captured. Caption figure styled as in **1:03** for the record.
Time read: **4:19**
